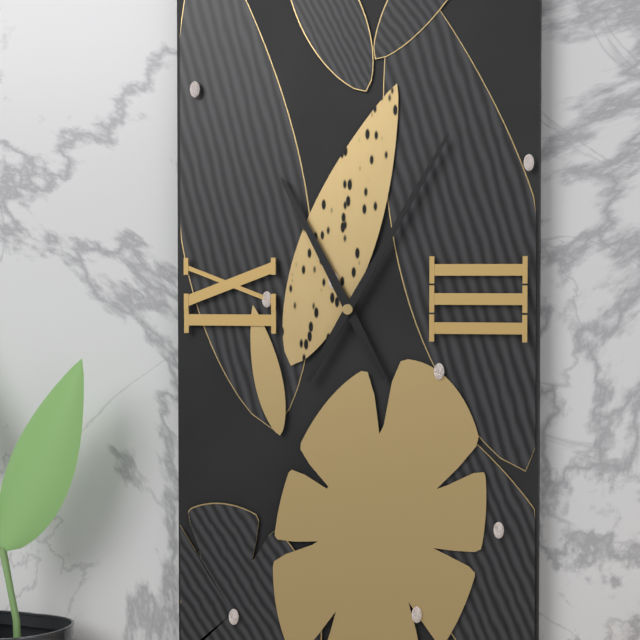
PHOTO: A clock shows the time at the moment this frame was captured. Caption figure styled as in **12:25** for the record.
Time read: **11:05**
